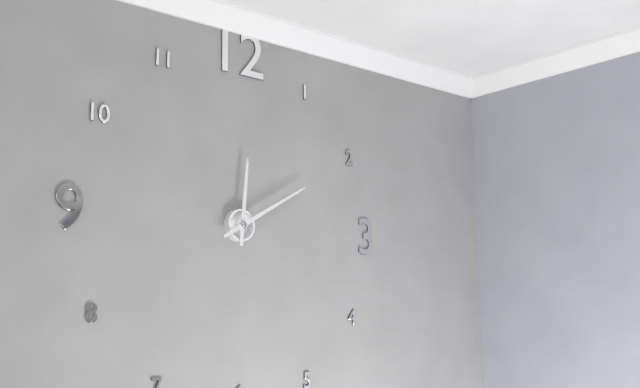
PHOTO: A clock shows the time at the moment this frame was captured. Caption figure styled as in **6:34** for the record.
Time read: **12:10**
